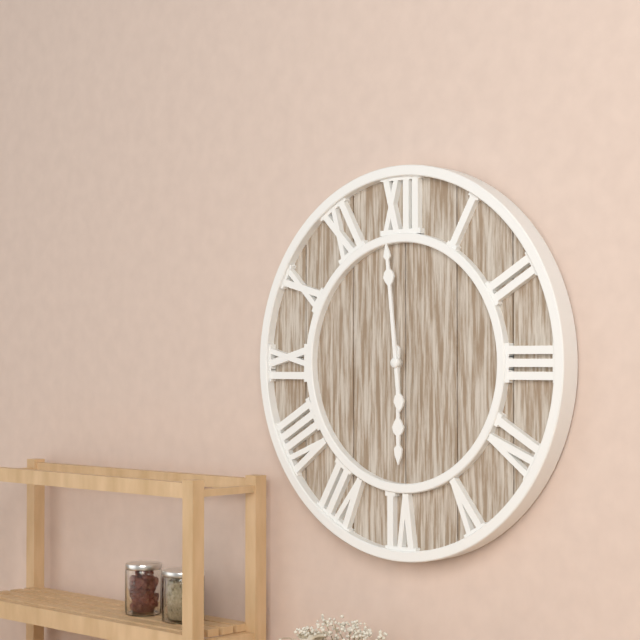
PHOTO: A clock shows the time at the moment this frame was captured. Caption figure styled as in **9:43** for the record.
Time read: **5:59**
